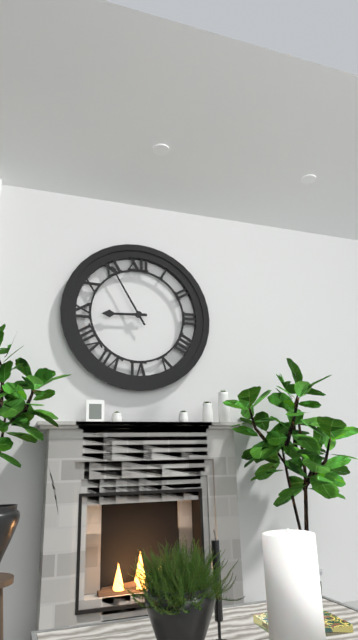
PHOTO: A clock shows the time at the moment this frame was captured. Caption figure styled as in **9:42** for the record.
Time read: **8:55**
